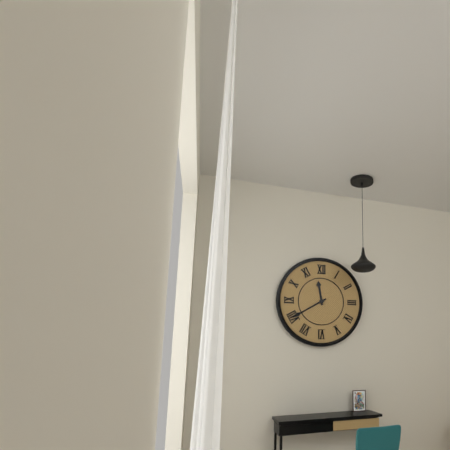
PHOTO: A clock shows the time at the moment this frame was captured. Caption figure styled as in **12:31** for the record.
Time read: **11:40**
